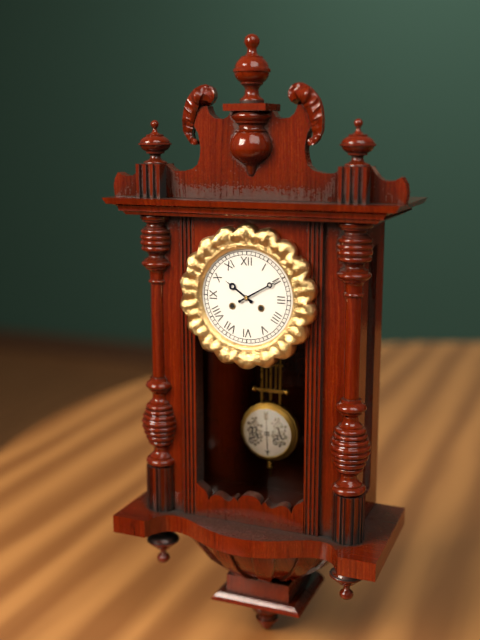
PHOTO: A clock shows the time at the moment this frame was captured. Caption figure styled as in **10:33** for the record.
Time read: **10:10**
